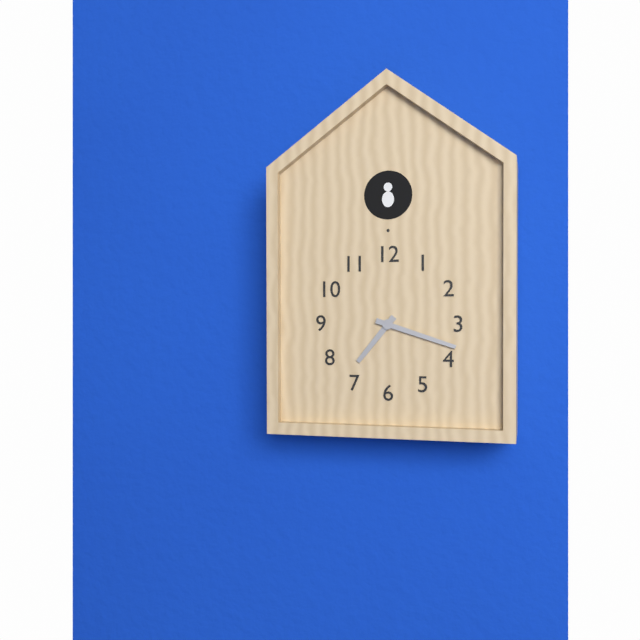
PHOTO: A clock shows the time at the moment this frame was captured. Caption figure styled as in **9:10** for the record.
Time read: **7:18**
